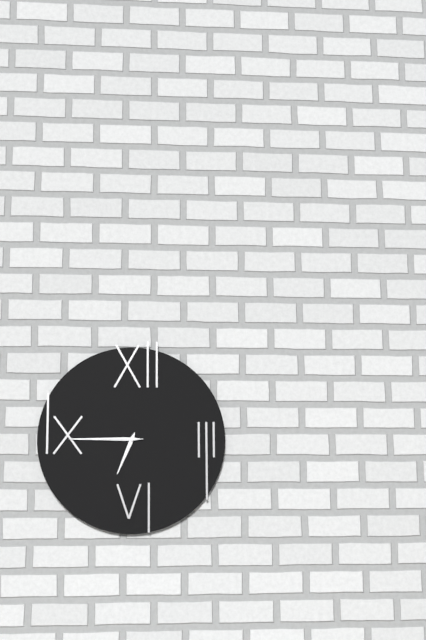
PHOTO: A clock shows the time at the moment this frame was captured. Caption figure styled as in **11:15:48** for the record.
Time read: **6:45:45**
